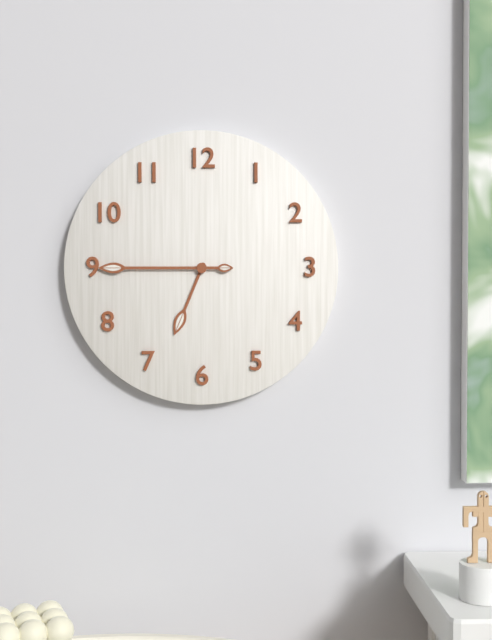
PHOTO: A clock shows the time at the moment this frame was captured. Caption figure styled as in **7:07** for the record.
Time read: **6:45**
